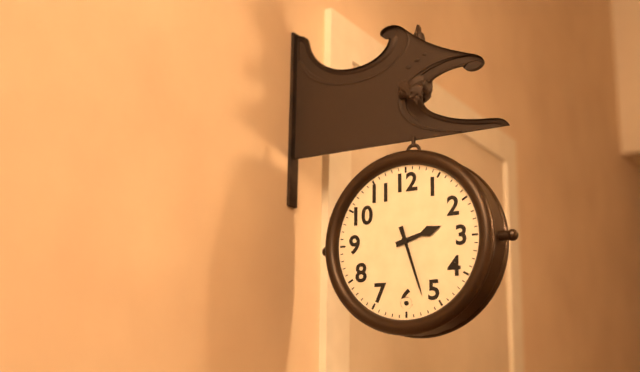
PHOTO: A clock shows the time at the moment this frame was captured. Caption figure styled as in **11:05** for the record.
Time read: **2:27**
